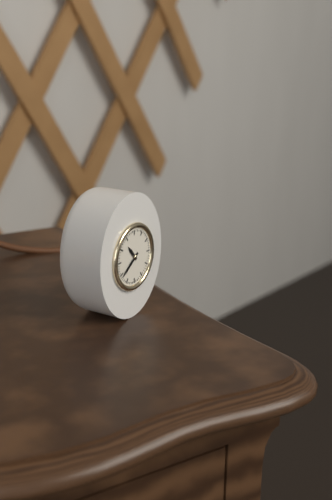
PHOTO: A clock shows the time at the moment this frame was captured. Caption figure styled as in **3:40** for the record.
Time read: **10:39**
